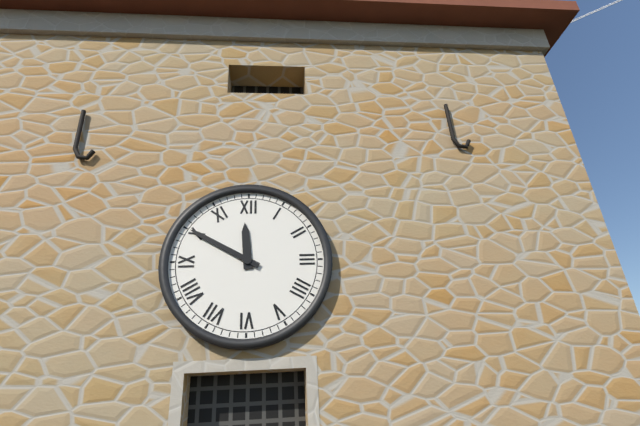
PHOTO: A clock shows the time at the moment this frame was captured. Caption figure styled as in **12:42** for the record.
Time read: **11:50**
